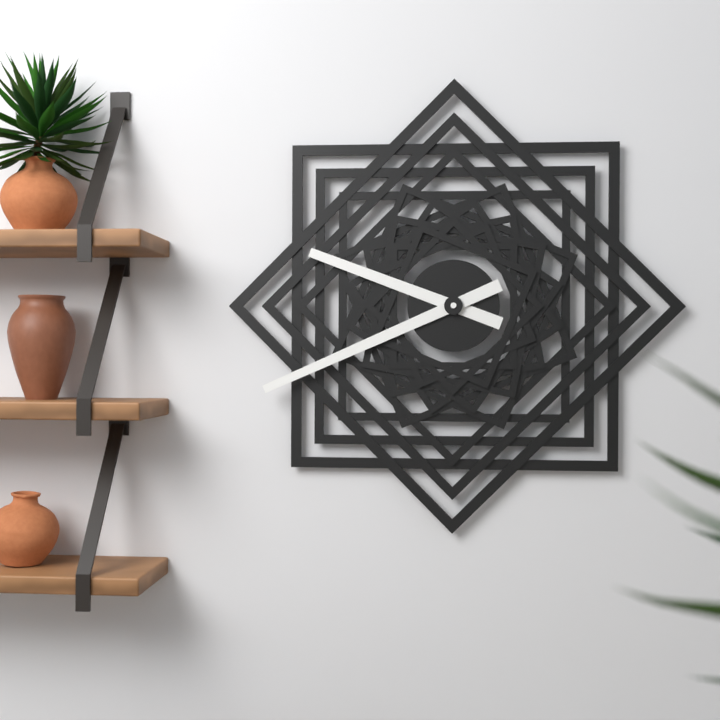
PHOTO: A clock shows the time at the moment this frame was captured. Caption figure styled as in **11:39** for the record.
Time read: **9:41**
